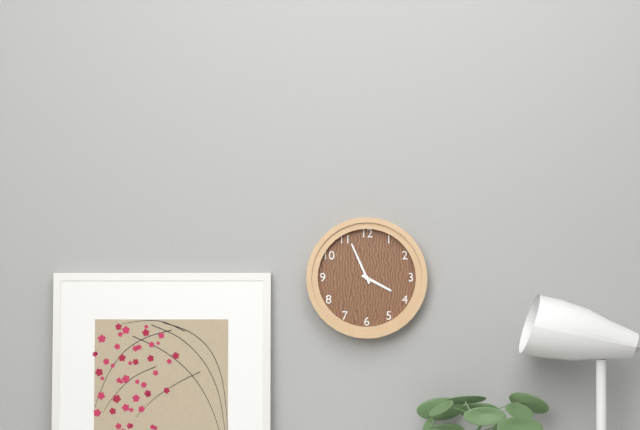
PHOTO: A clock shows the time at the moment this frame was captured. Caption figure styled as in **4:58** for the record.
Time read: **3:56**
